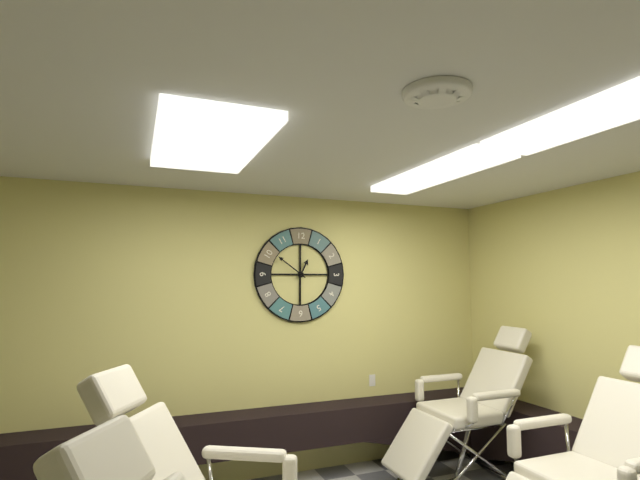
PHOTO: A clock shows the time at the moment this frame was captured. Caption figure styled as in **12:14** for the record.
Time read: **12:51**
